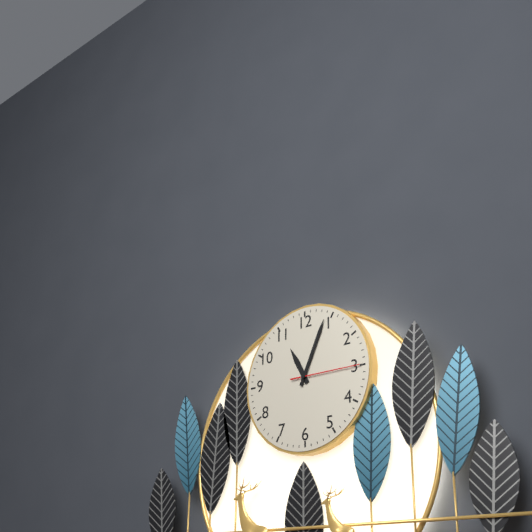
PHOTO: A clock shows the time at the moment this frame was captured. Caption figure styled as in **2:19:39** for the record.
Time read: **11:04:15**
